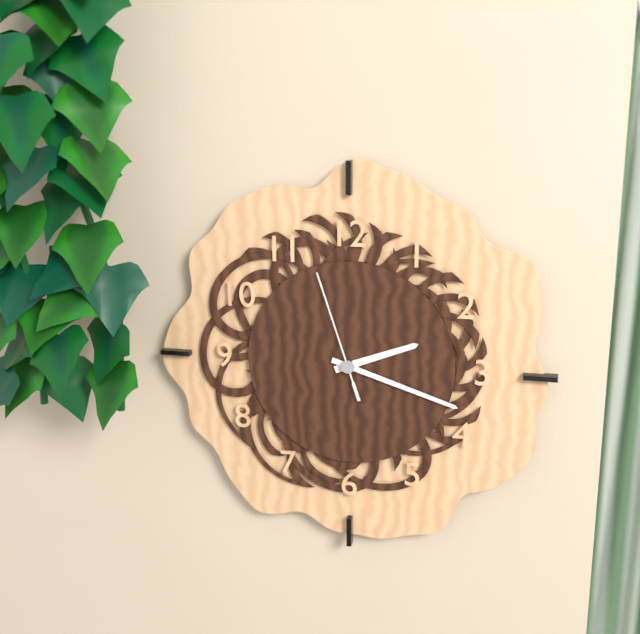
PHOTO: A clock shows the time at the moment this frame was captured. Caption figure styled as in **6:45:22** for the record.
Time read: **2:18:57**
